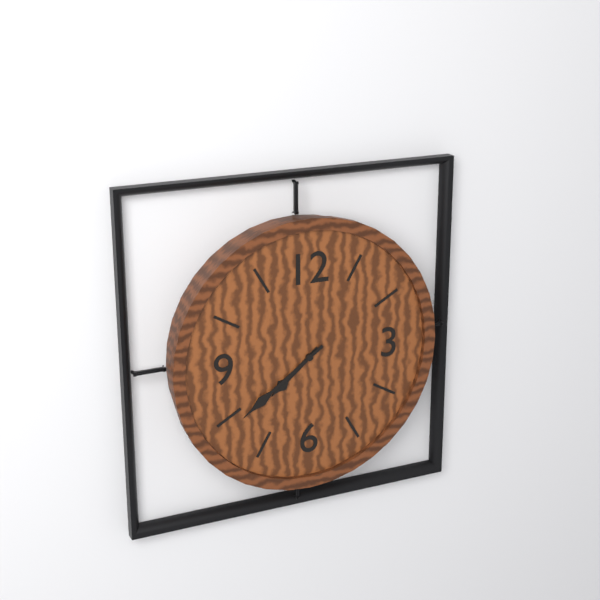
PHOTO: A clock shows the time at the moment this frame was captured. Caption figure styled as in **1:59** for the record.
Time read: **7:39**
